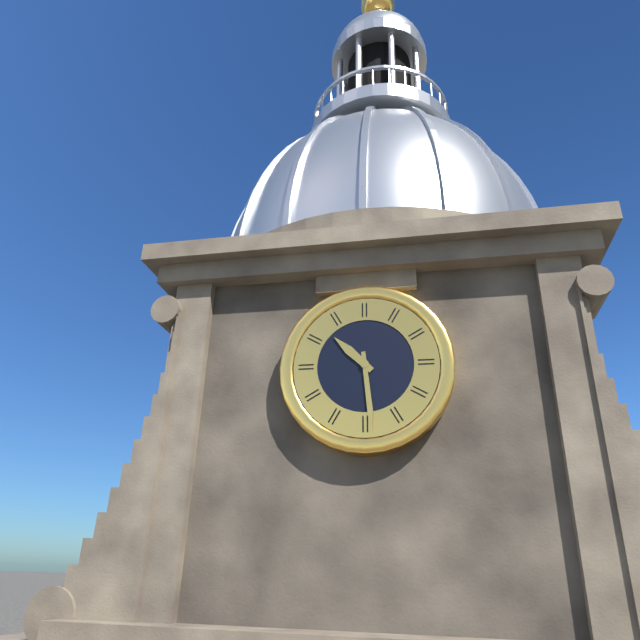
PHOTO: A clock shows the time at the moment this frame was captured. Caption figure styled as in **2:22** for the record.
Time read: **10:29**
